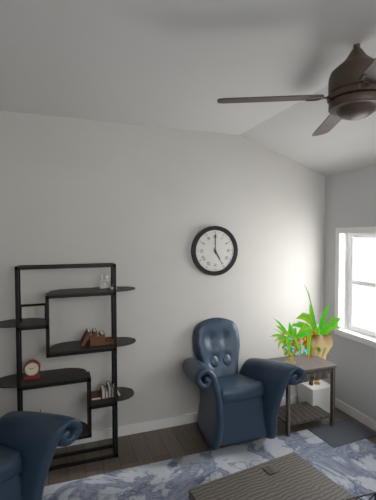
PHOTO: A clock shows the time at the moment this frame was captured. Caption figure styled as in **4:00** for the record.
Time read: **5:00**
